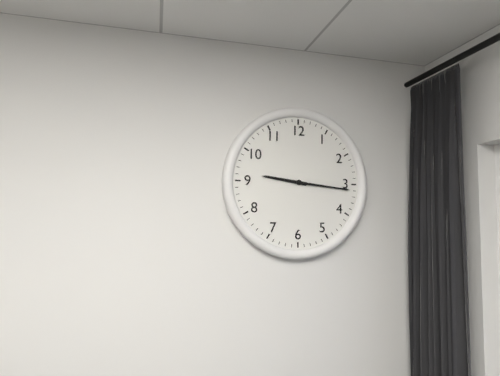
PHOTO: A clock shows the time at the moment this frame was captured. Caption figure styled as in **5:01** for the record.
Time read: **9:16**
